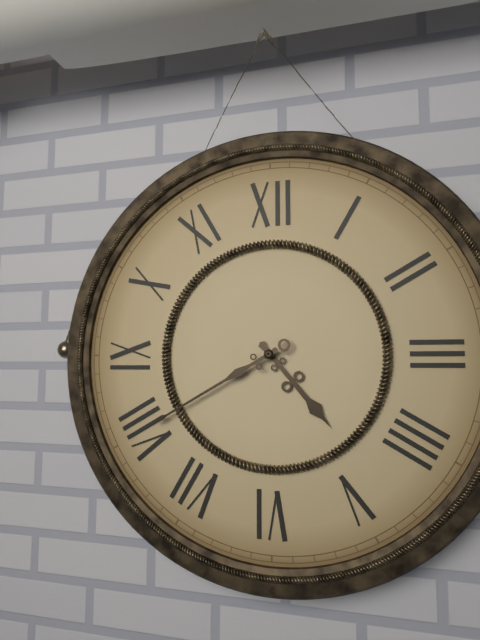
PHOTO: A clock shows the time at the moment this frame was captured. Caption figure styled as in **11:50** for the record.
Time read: **4:40**
